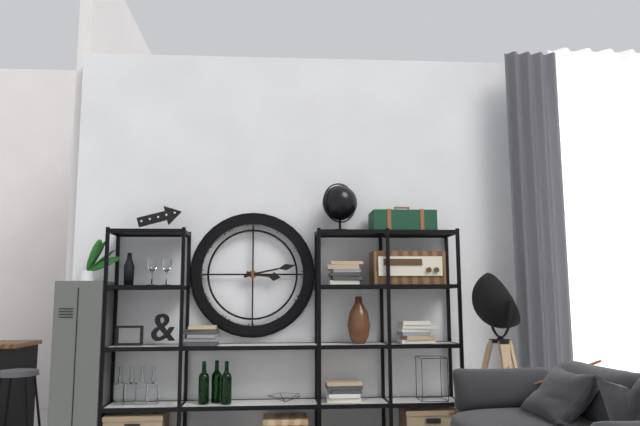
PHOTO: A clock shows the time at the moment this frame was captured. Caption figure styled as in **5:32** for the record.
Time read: **3:13**
